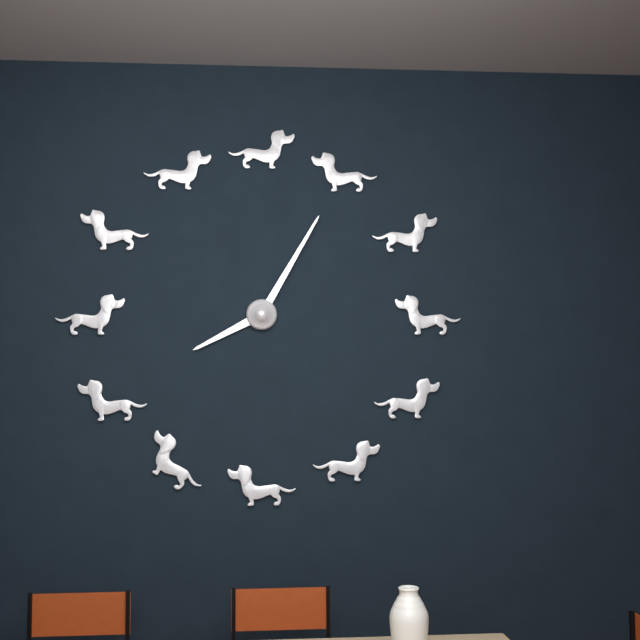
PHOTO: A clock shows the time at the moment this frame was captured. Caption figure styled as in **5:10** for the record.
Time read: **8:05**
